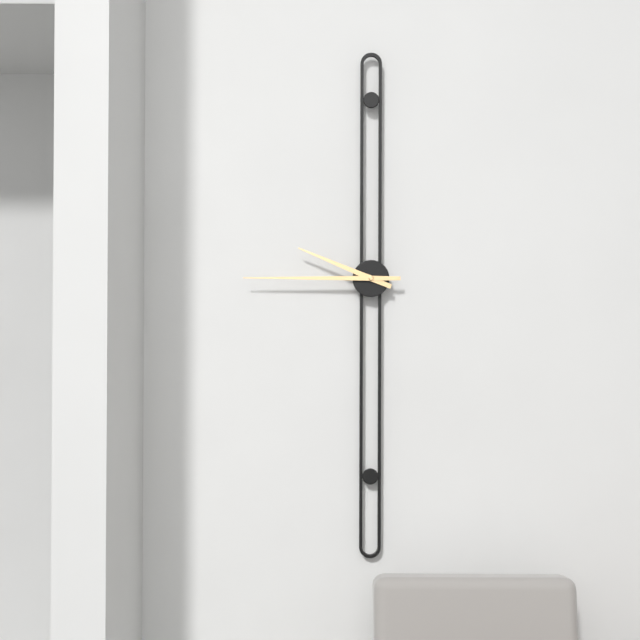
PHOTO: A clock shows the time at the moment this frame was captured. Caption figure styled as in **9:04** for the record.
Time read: **9:45**
